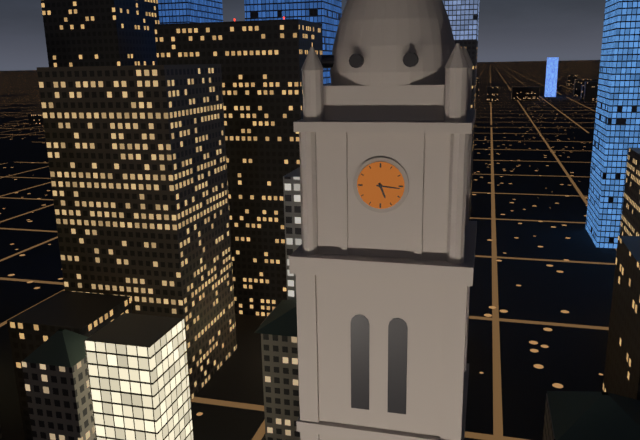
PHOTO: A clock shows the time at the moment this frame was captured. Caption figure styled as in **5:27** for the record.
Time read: **5:16**
